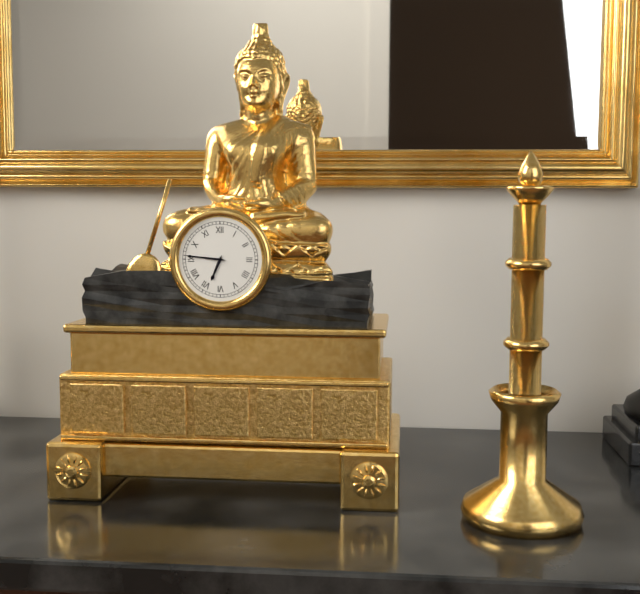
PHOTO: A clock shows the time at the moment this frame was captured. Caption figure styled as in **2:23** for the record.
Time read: **6:46**
